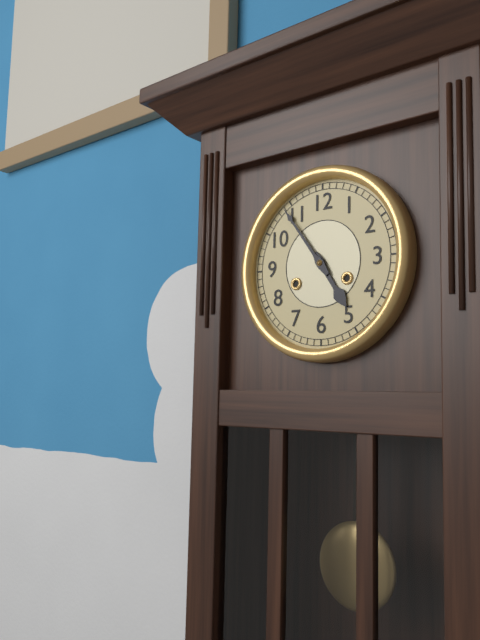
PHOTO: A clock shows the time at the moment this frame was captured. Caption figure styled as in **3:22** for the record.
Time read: **4:54**
